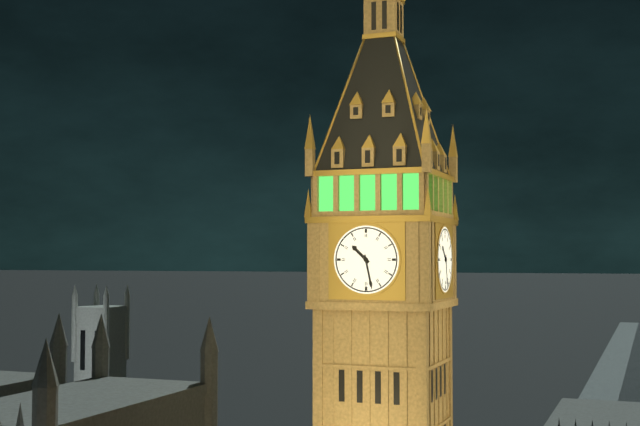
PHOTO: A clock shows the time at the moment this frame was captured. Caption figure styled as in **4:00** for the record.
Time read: **10:28**
